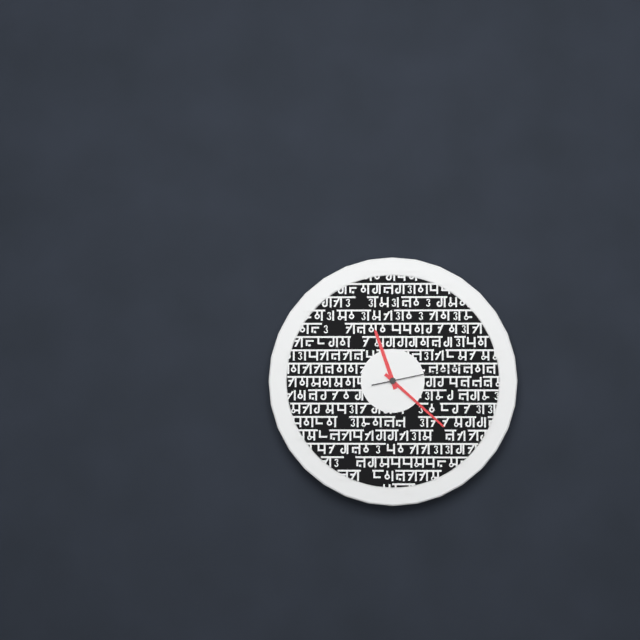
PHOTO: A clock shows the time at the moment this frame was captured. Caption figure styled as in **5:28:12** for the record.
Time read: **11:22:13**
